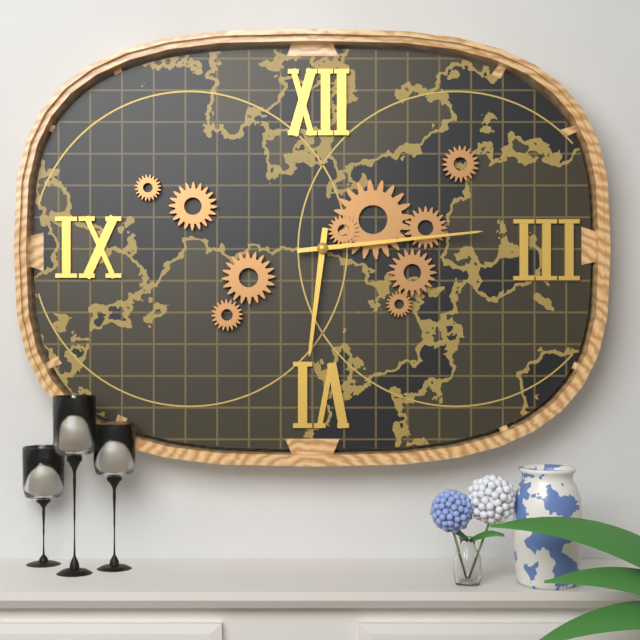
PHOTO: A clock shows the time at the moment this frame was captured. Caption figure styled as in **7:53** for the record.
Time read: **6:14**
